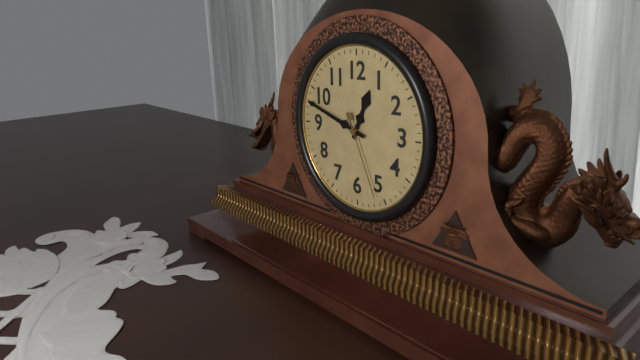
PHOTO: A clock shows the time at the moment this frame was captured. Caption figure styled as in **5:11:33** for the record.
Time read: **12:48:26**
